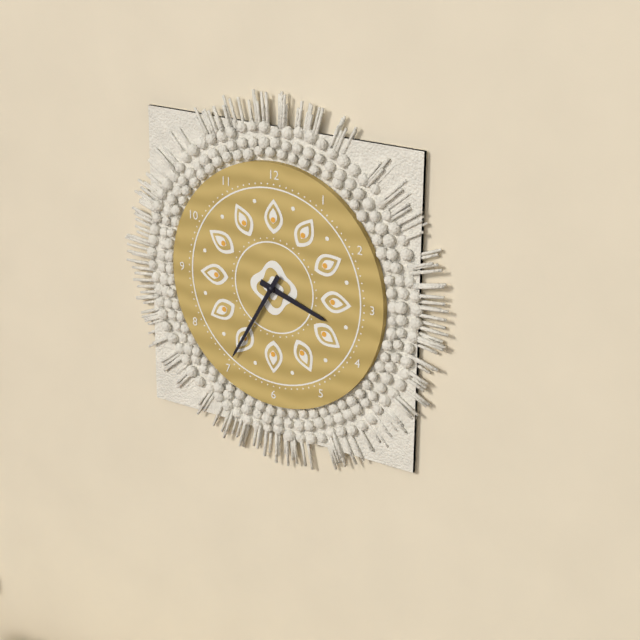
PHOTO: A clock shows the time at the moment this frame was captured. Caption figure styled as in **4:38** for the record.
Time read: **3:35**
